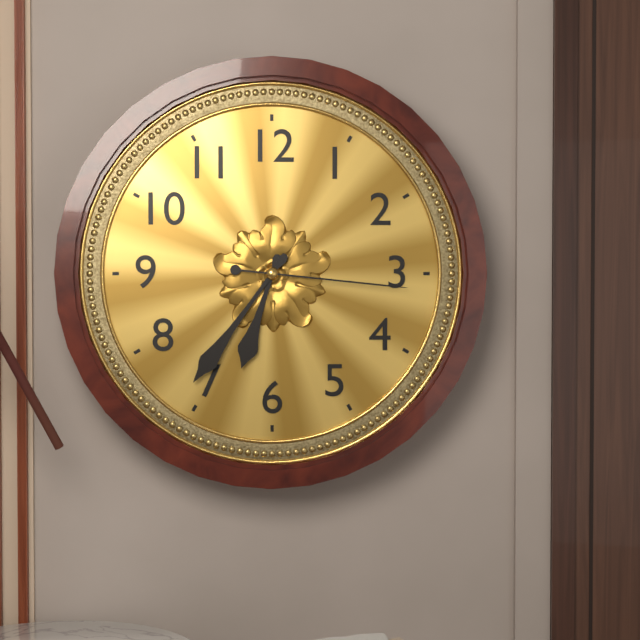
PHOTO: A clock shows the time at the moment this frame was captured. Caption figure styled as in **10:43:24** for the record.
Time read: **6:36:16**
